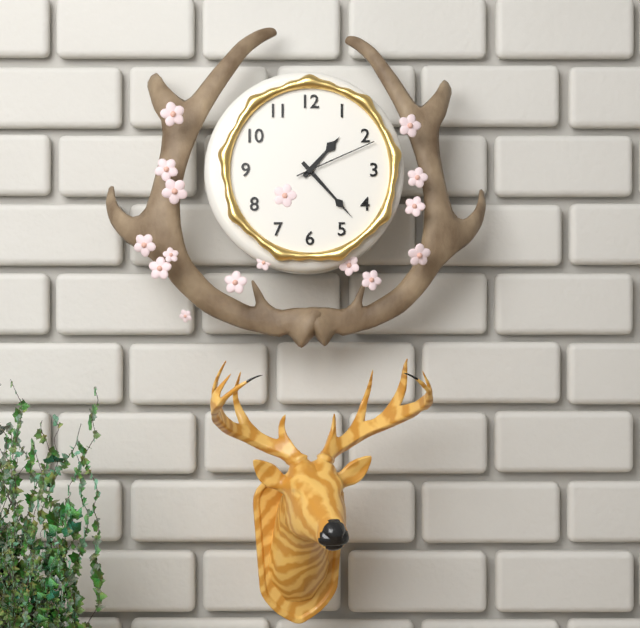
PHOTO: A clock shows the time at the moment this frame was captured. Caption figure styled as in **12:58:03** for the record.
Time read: **1:23:11**
